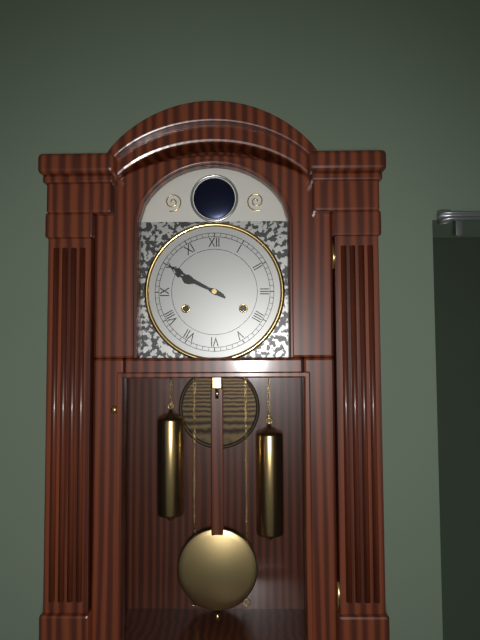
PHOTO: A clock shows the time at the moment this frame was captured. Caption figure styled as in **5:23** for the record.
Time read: **9:50**
